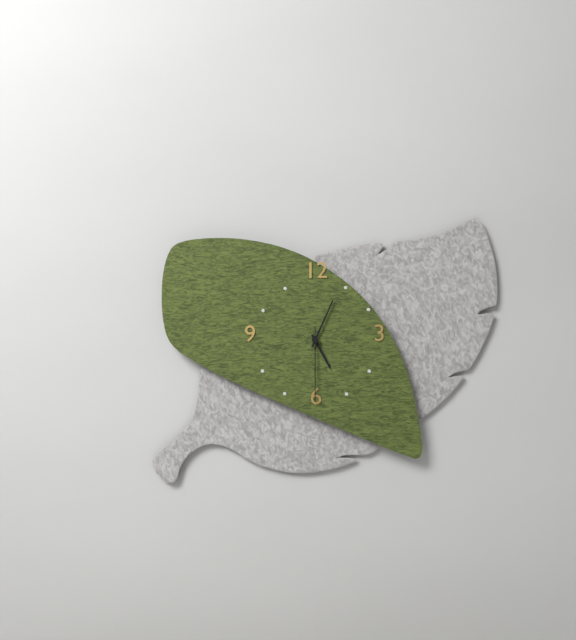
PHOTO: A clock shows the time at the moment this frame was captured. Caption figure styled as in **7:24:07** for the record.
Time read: **5:04:30**
